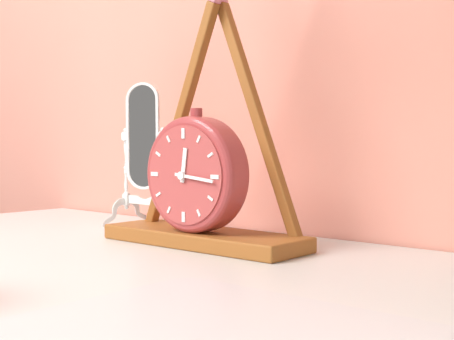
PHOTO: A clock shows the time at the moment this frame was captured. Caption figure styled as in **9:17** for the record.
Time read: **12:16**
